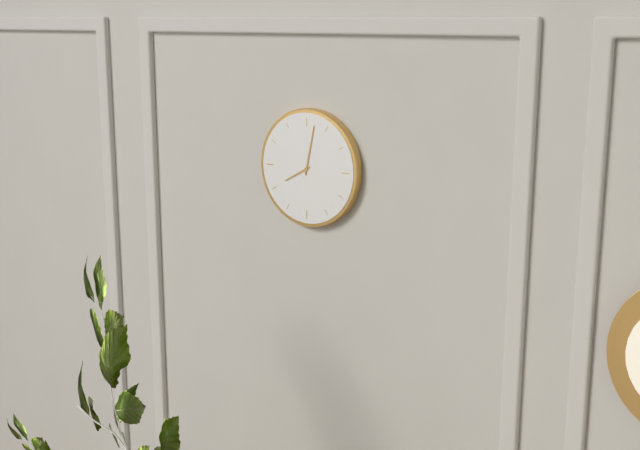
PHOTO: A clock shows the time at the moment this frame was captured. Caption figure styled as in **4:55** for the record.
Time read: **8:02**
